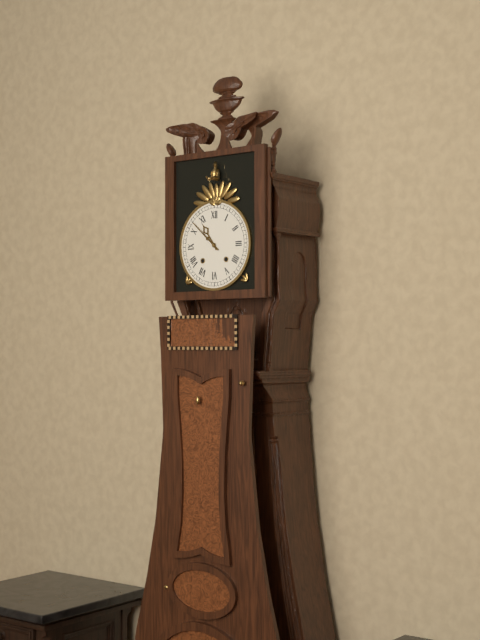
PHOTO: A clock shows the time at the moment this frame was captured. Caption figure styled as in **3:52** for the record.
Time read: **10:52**
